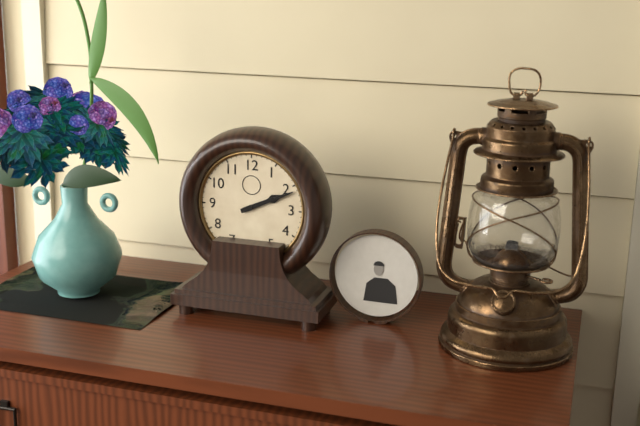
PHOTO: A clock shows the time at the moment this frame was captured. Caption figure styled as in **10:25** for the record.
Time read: **2:11**
